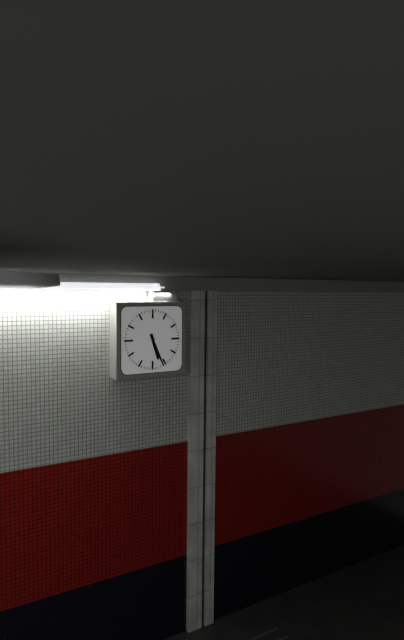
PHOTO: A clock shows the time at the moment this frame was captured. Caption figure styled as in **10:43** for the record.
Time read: **5:26**
